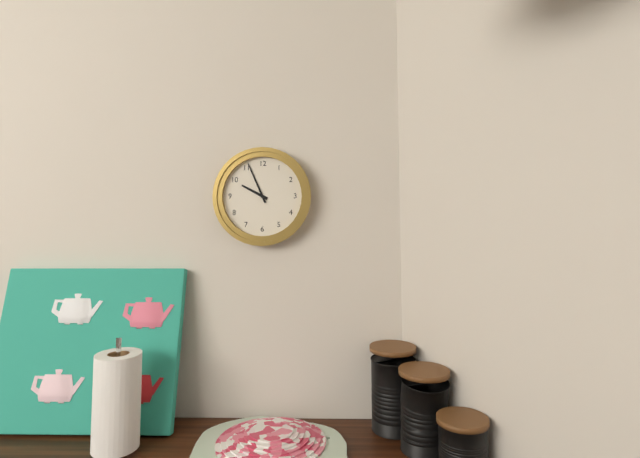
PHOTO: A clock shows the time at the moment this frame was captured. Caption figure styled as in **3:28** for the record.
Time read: **9:56**
